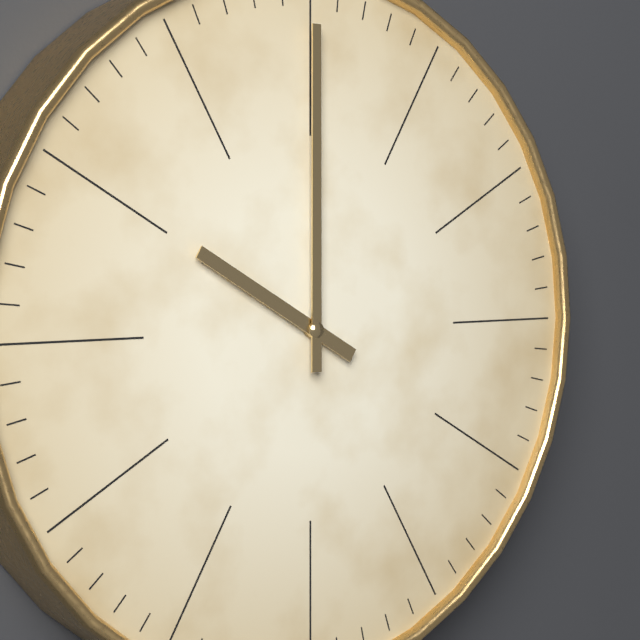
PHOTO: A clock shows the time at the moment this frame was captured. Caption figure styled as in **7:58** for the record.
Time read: **10:00**
